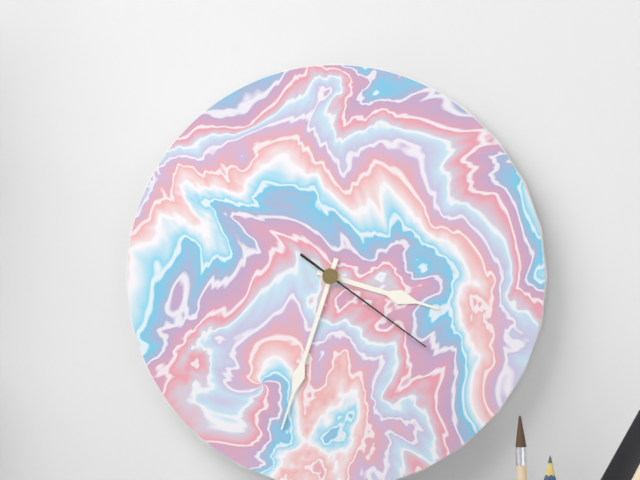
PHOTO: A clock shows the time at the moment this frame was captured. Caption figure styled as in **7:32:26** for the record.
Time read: **3:33:21**
